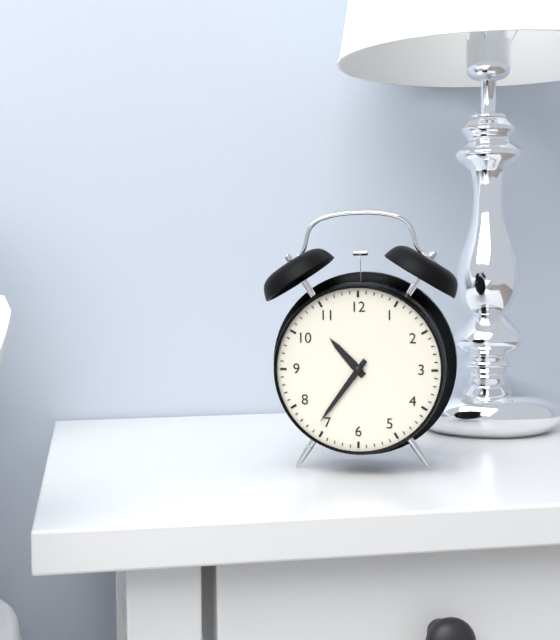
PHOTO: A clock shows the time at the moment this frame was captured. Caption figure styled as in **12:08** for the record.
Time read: **10:36**
